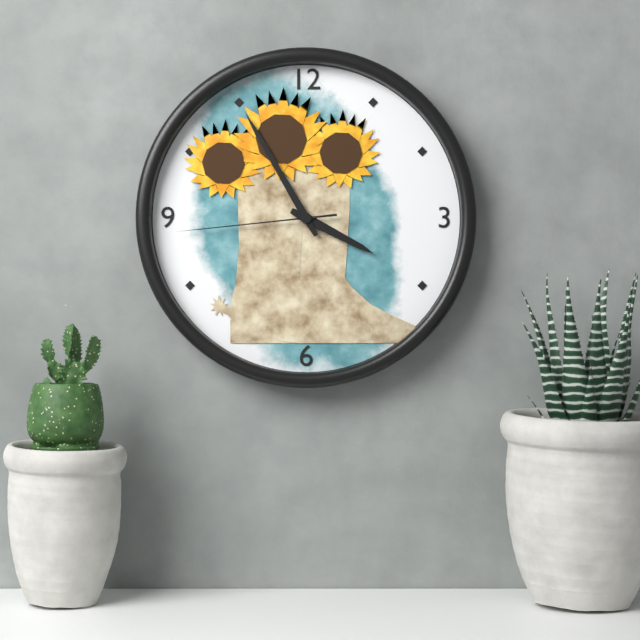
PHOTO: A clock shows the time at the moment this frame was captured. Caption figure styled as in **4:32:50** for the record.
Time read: **3:55:44**
